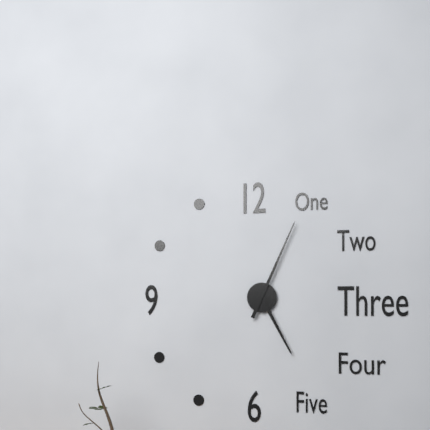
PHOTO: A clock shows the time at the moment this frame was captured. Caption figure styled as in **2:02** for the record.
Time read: **5:04**
